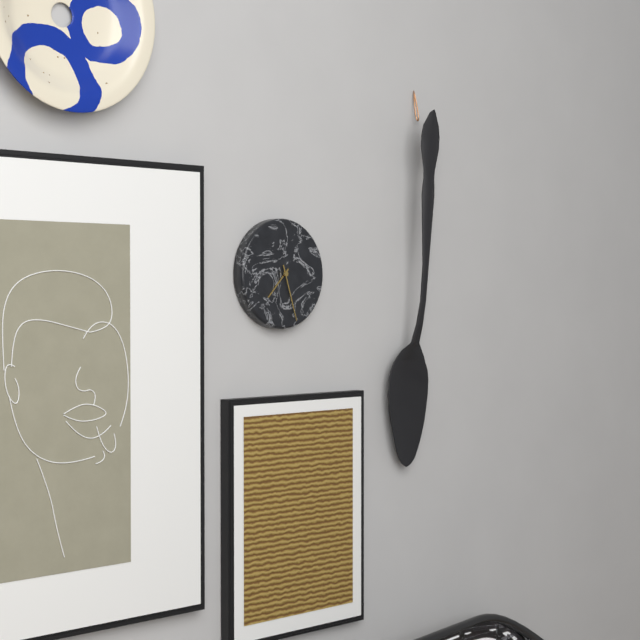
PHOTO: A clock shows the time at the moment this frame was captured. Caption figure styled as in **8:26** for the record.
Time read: **7:27**
